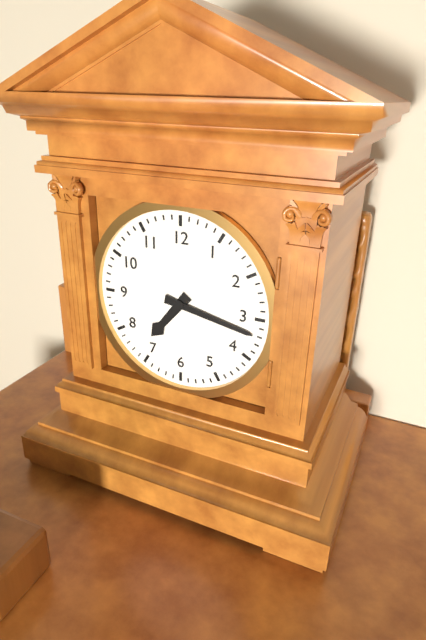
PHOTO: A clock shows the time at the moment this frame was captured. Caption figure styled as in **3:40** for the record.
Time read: **7:17**
